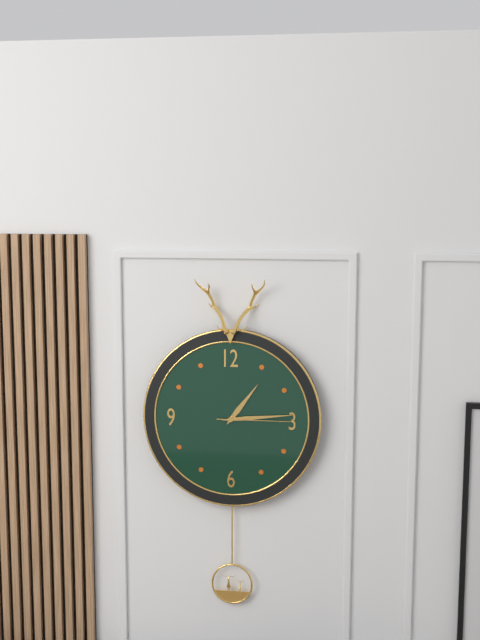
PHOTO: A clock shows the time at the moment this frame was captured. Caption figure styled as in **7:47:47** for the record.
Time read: **1:14:15**
